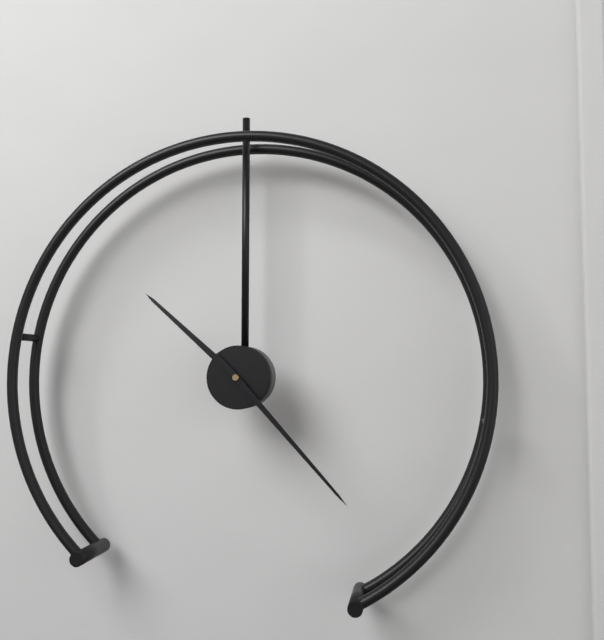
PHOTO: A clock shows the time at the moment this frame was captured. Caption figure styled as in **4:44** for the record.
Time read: **10:23**
